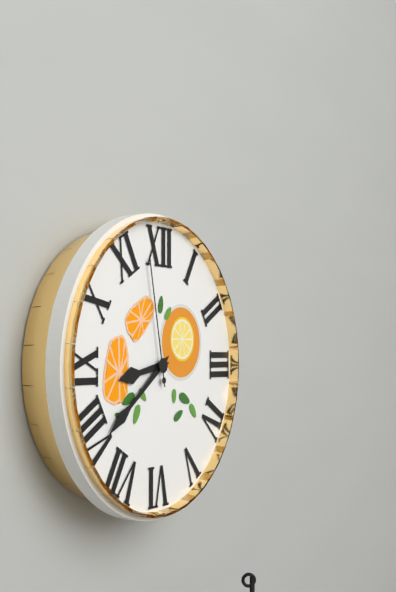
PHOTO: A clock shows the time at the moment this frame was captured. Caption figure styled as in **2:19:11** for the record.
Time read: **8:39:58**
